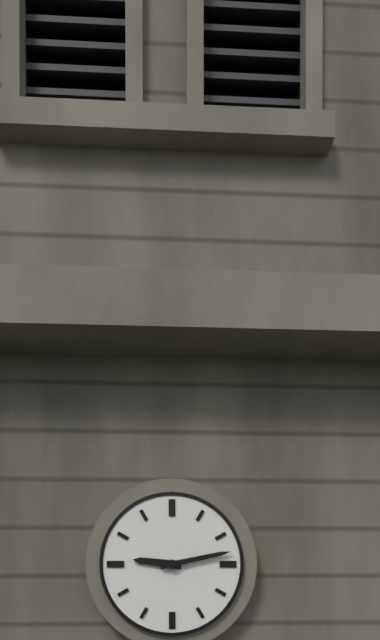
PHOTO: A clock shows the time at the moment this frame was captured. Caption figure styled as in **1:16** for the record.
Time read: **9:13**
